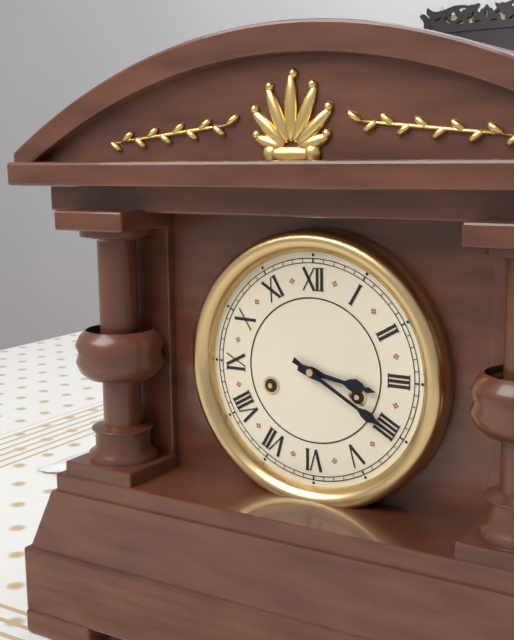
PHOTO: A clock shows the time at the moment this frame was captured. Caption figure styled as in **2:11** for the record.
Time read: **3:20**
